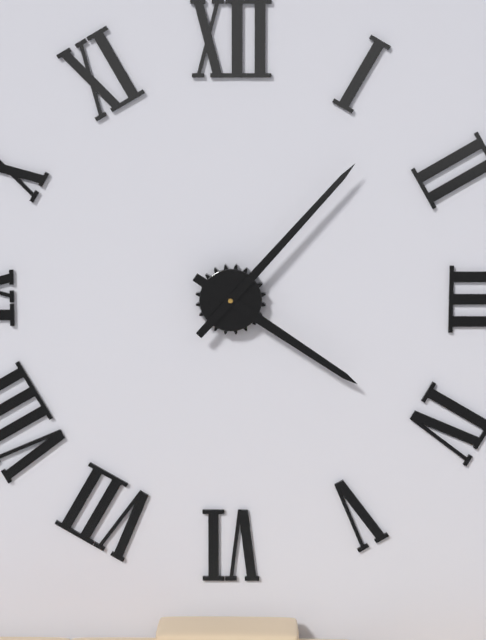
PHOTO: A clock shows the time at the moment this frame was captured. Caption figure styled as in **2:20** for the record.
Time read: **4:07**
